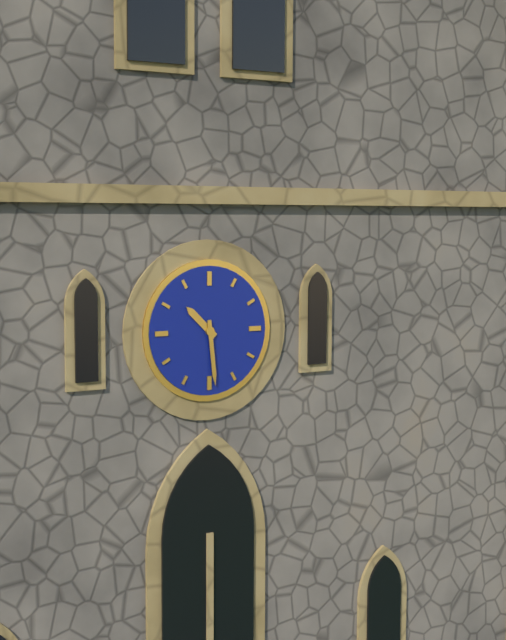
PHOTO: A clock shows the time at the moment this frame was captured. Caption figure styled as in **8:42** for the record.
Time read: **10:29**
